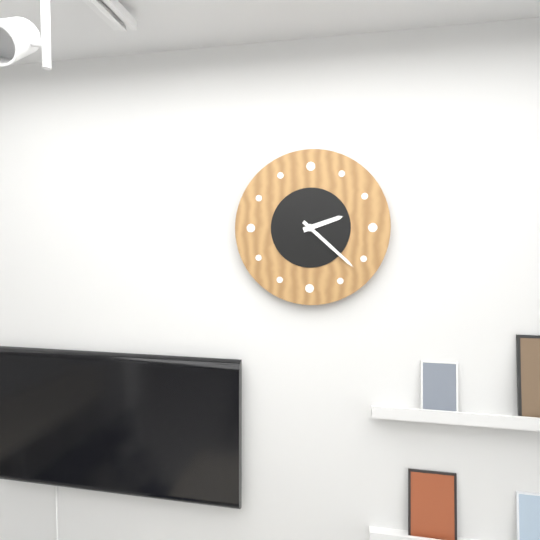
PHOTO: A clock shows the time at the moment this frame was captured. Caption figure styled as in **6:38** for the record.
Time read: **2:22**
